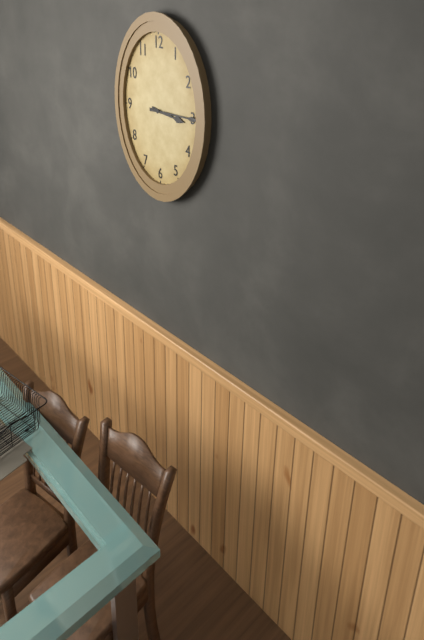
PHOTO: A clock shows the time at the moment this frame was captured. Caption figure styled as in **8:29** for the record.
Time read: **3:15**
